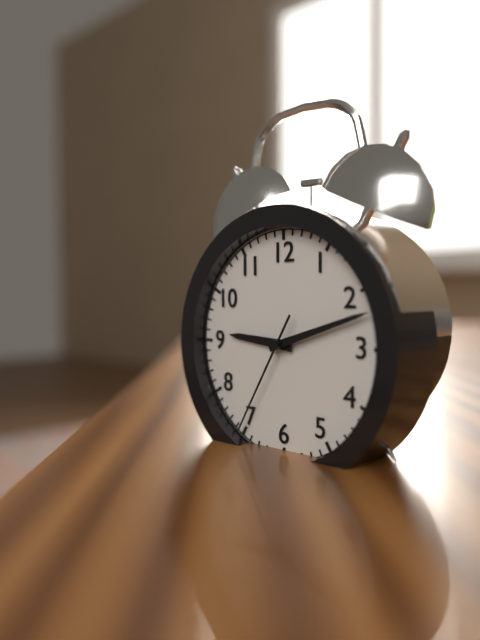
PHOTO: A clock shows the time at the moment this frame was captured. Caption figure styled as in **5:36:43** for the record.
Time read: **9:12:35**
